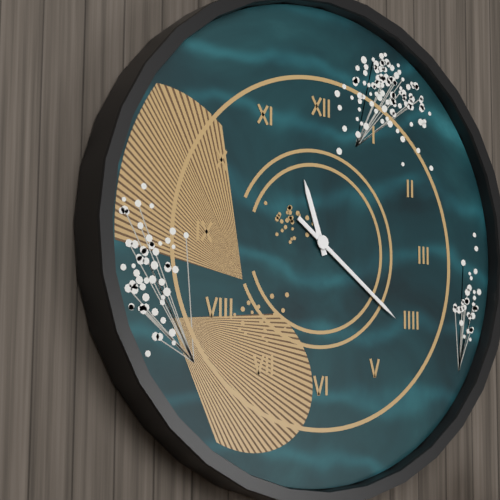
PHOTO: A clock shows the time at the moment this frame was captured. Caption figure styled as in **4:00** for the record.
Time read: **11:21**
